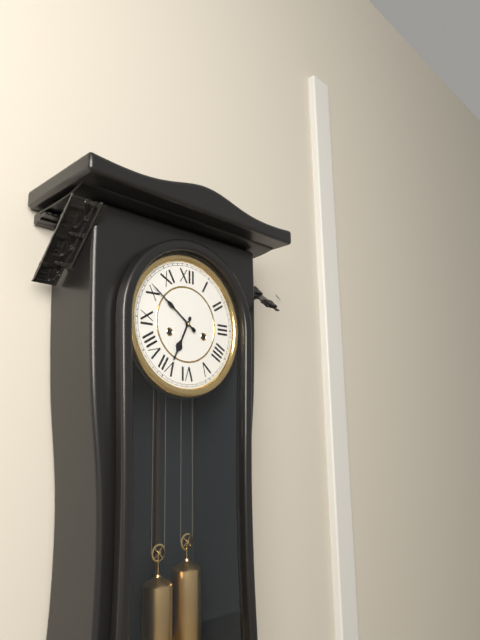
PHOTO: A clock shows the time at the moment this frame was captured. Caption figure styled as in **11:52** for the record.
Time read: **6:51**
